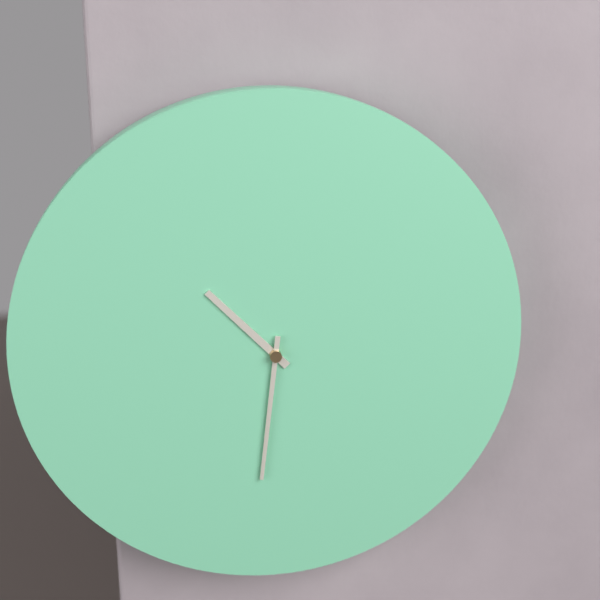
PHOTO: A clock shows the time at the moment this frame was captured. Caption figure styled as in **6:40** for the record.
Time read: **10:31**
